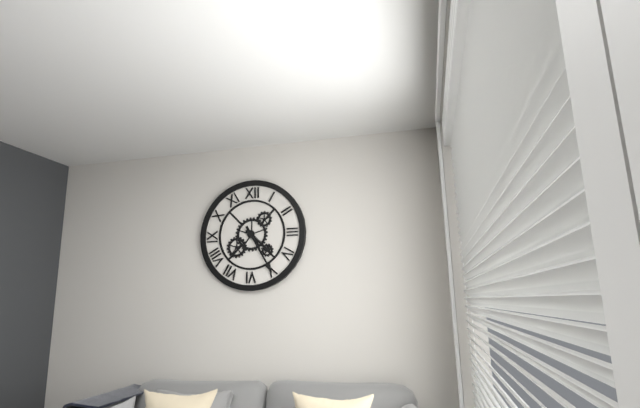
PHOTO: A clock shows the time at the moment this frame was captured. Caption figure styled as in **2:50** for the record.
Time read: **4:25**
